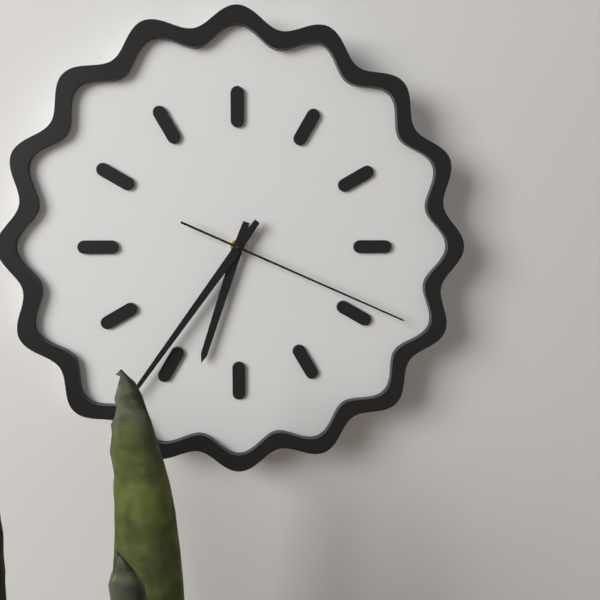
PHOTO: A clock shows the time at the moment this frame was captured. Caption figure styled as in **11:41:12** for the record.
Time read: **6:36:19**
